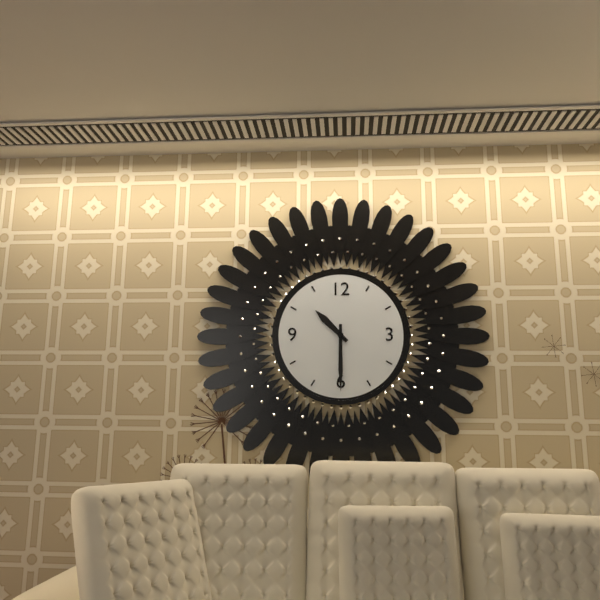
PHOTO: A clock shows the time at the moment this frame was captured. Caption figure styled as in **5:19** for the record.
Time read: **10:30**
